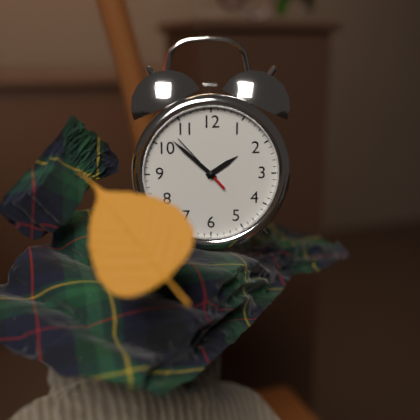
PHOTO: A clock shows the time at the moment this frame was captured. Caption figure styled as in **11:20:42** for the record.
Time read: **1:52:53**
